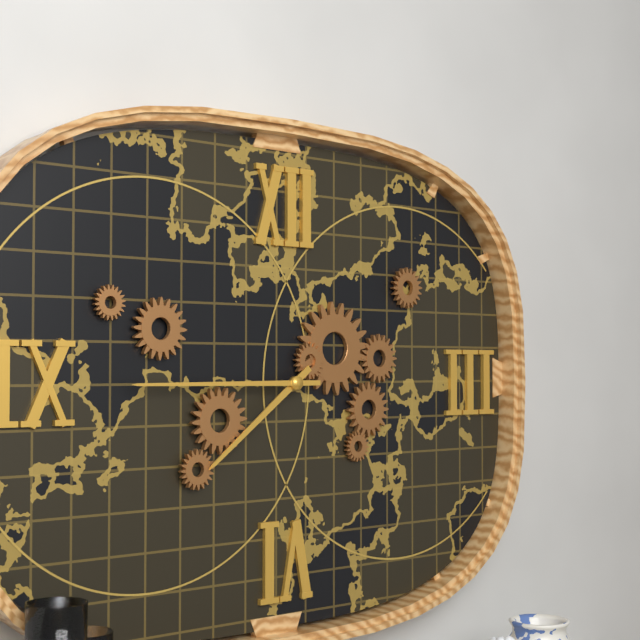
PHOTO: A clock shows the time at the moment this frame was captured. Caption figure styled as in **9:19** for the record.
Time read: **7:45**
